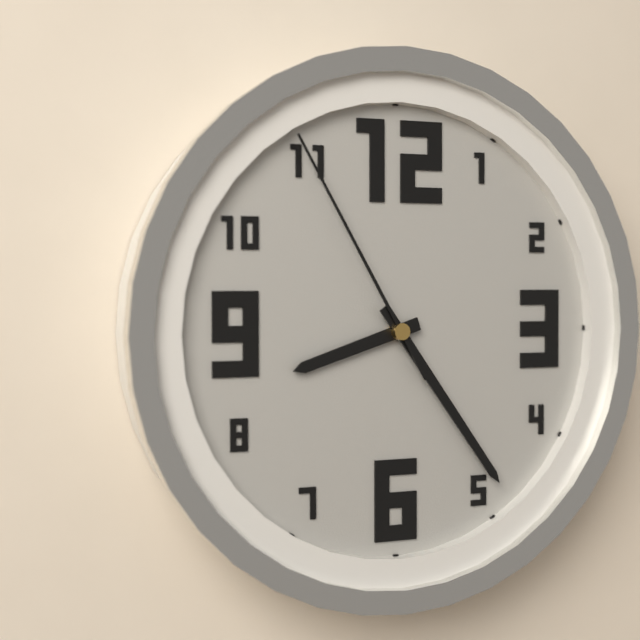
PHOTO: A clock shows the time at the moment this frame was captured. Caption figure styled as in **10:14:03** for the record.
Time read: **8:24:55**
